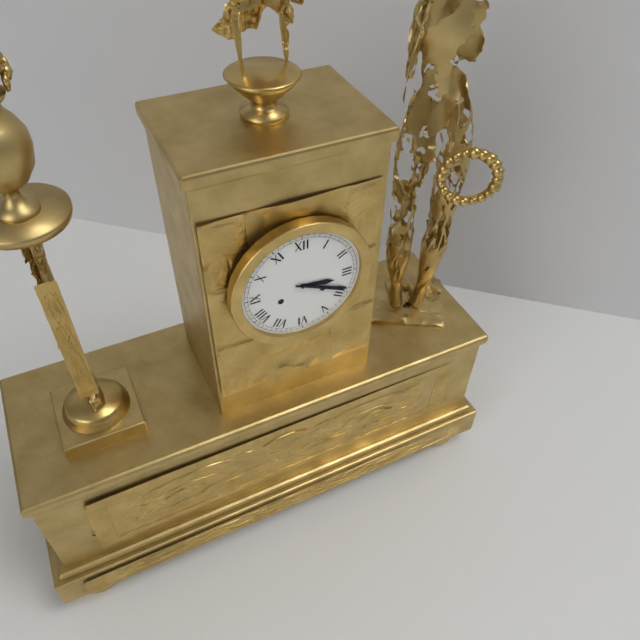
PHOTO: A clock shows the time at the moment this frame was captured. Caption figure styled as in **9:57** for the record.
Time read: **3:19**
